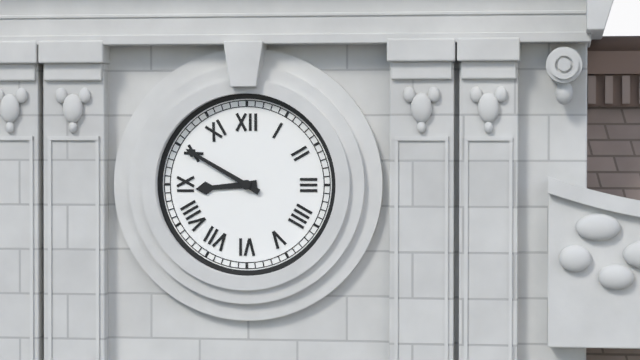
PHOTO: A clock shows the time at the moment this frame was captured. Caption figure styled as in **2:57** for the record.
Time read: **8:50**
